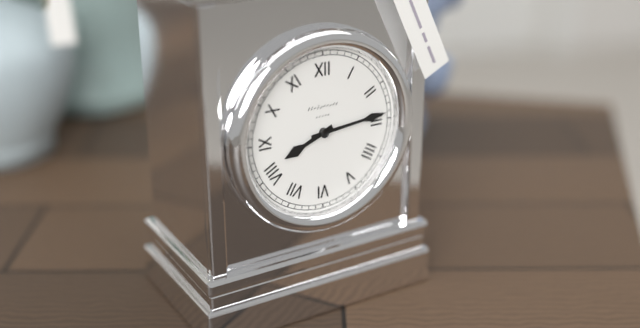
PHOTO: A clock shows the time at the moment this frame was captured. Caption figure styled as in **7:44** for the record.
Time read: **8:14**
